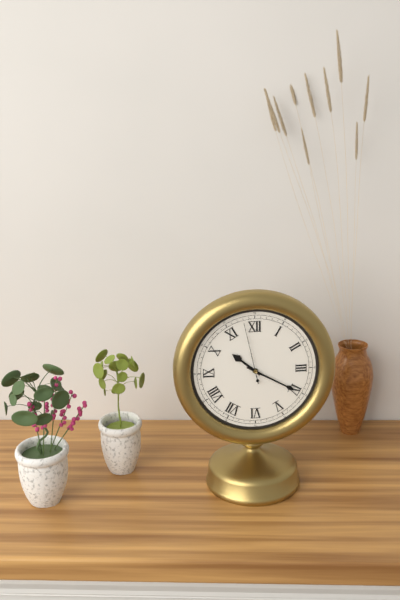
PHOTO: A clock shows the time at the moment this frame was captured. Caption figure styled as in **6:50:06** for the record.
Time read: **10:20:58**
